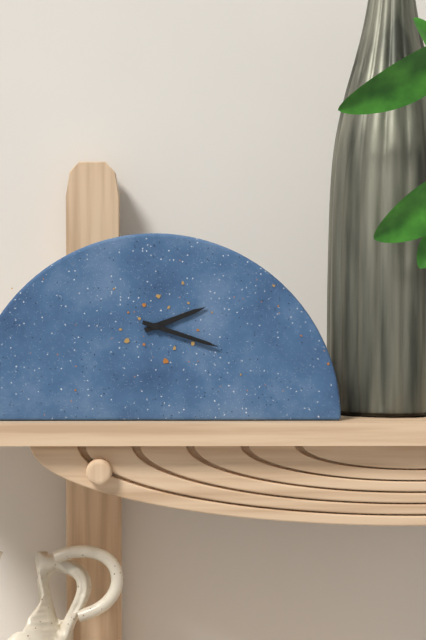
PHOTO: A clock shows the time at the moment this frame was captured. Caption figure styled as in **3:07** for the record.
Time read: **2:18**
